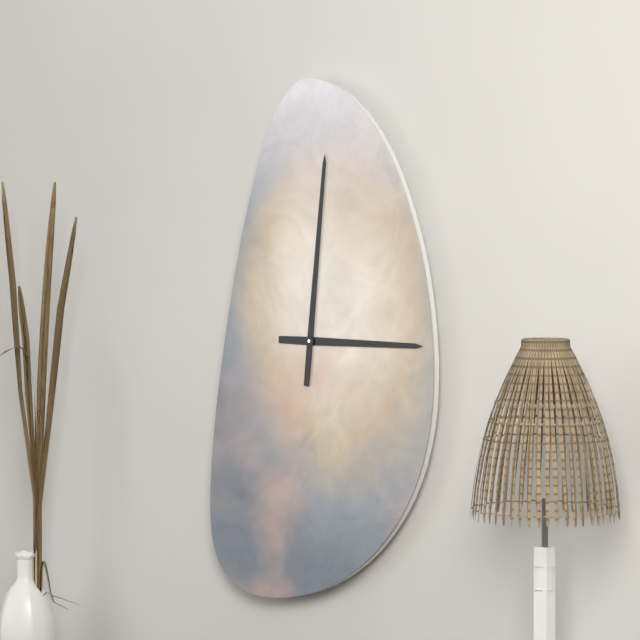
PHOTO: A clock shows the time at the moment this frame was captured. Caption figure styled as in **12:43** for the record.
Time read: **3:01**
